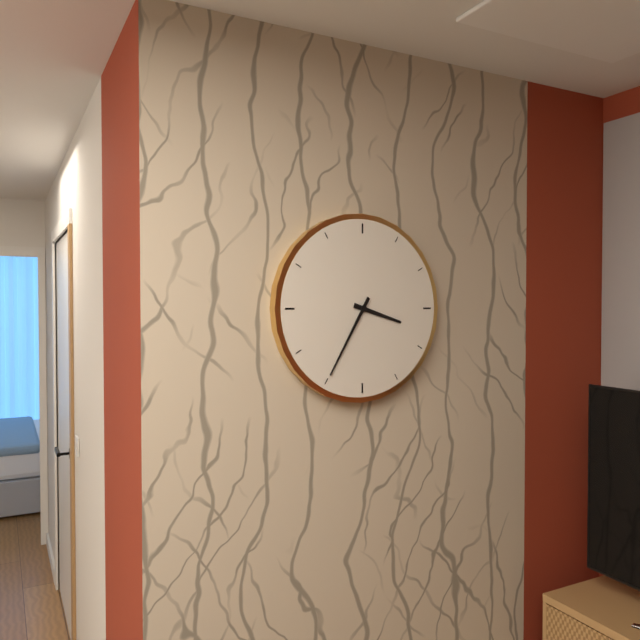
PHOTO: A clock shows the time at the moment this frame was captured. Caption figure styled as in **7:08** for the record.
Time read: **3:35**
